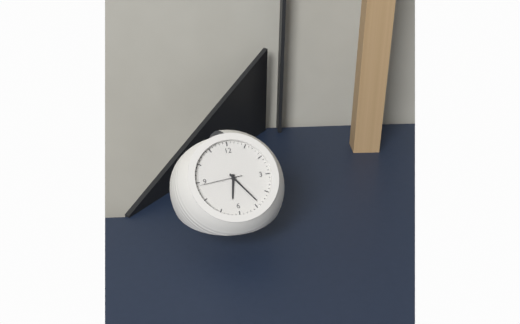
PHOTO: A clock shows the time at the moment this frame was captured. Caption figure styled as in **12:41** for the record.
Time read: **6:24**
